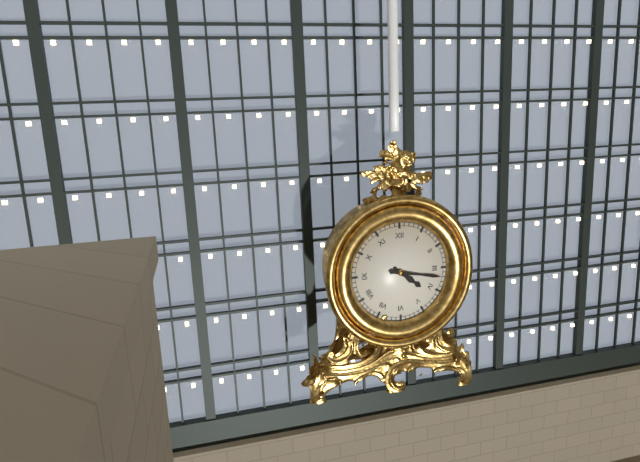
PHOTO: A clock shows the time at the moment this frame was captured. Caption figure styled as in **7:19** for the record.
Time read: **4:17**
